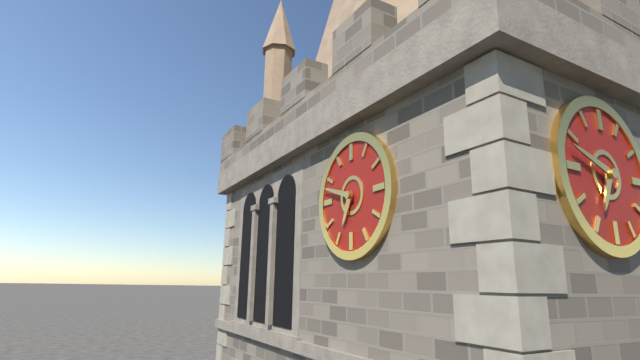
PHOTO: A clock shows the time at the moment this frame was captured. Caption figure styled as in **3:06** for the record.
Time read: **6:48**
